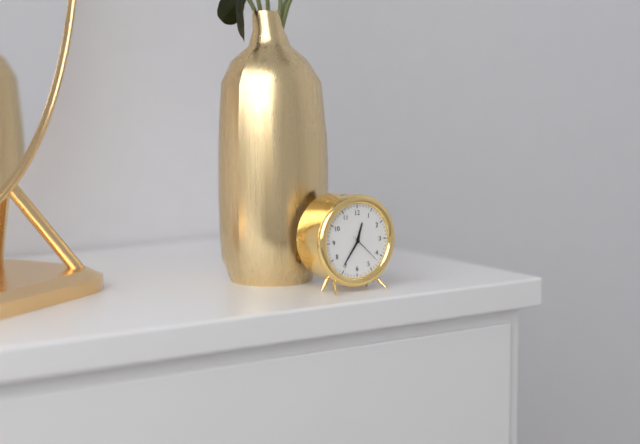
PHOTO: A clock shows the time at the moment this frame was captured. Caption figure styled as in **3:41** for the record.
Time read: **12:36**
